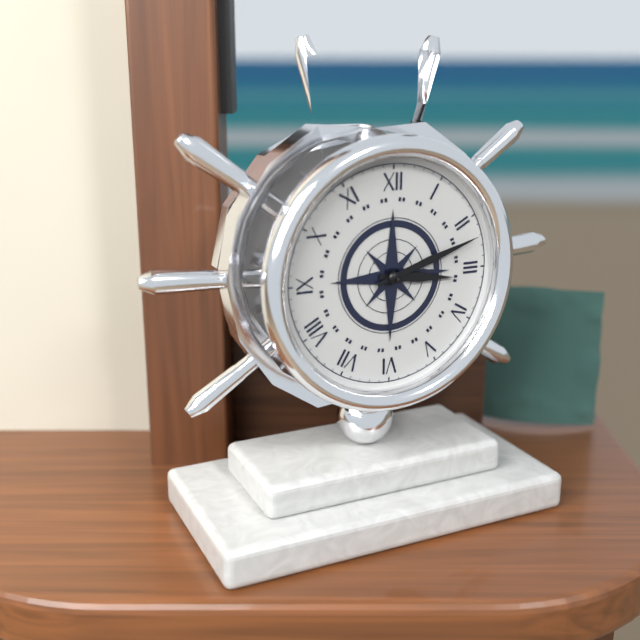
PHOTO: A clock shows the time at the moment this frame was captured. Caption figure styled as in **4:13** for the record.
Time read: **3:12**
